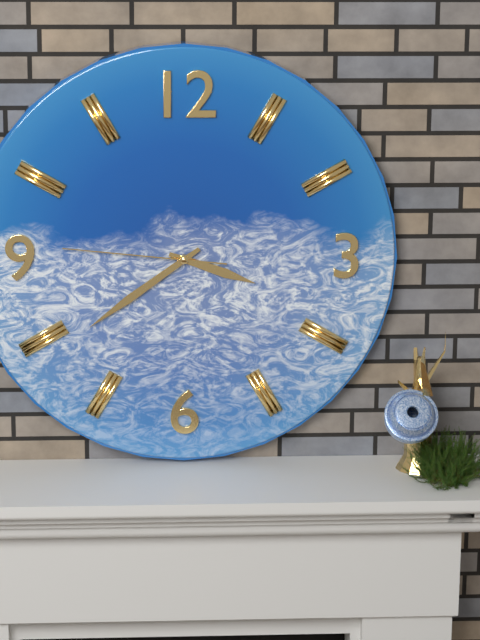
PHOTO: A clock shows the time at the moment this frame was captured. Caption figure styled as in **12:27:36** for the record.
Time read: **3:39:46**
